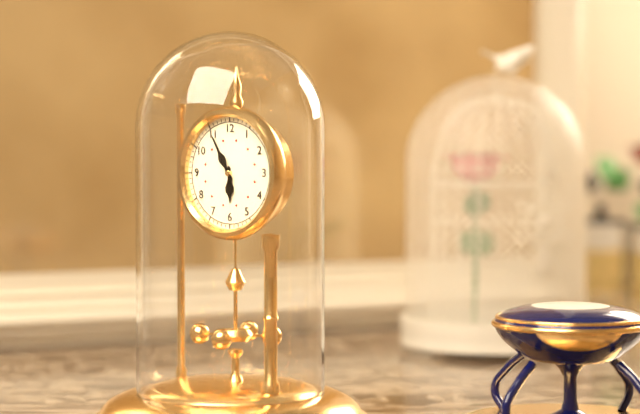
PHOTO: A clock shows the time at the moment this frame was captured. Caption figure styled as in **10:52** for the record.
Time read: **5:55**
